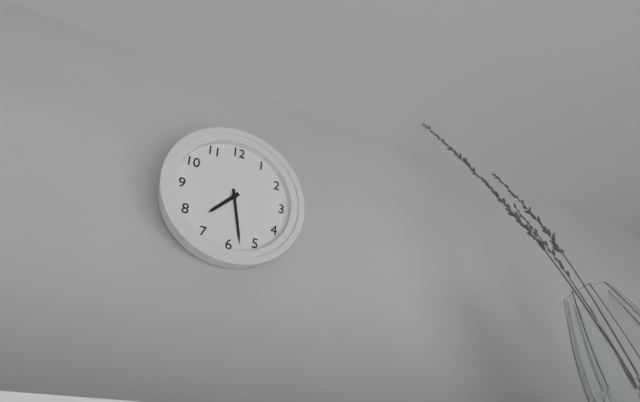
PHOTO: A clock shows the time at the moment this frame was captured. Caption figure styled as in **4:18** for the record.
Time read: **7:28**
